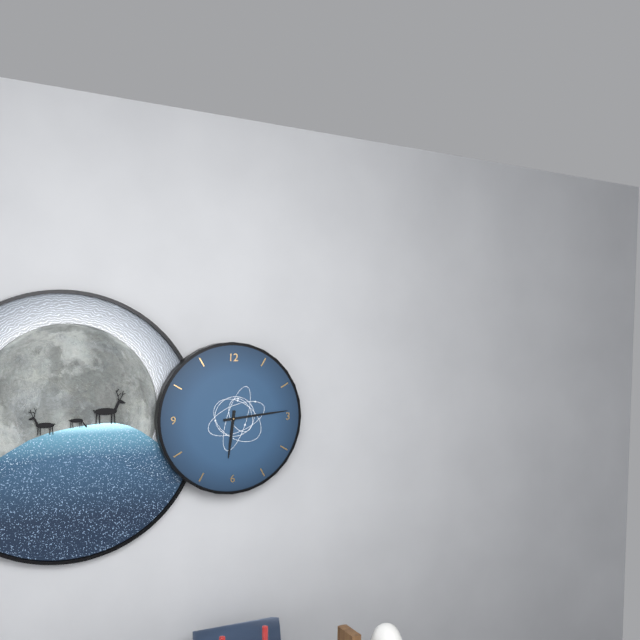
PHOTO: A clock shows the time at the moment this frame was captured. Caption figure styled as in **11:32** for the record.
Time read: **6:14**
